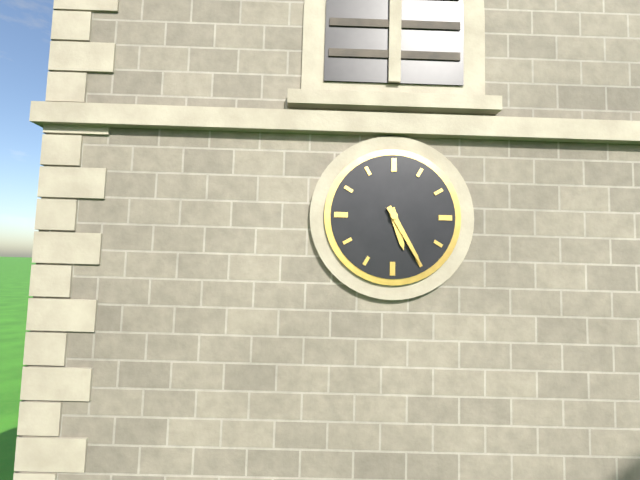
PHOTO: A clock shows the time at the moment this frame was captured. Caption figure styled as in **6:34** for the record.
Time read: **5:25**
